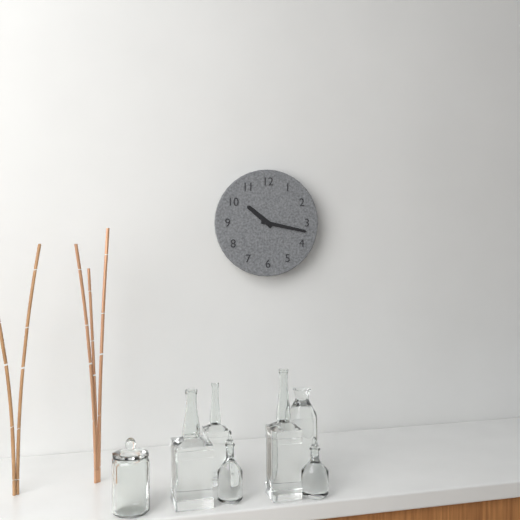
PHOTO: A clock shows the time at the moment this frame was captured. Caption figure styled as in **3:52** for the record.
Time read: **10:17**
